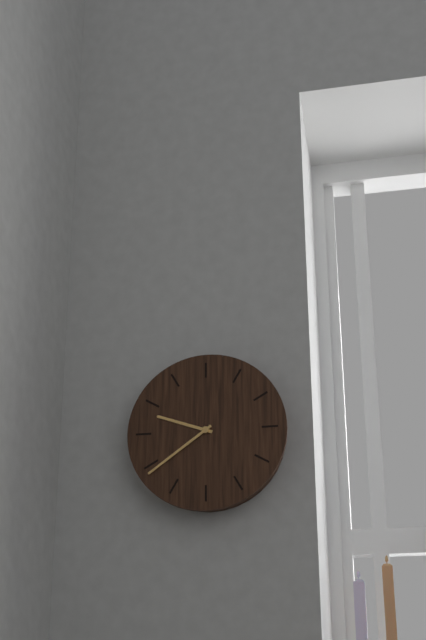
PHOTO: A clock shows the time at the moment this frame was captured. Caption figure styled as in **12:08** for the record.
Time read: **9:39**
